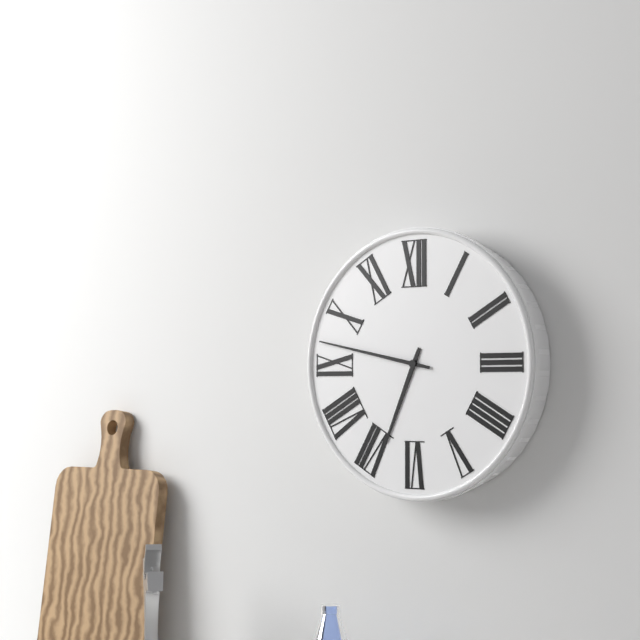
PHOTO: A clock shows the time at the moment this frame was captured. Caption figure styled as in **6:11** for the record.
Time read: **6:47**
